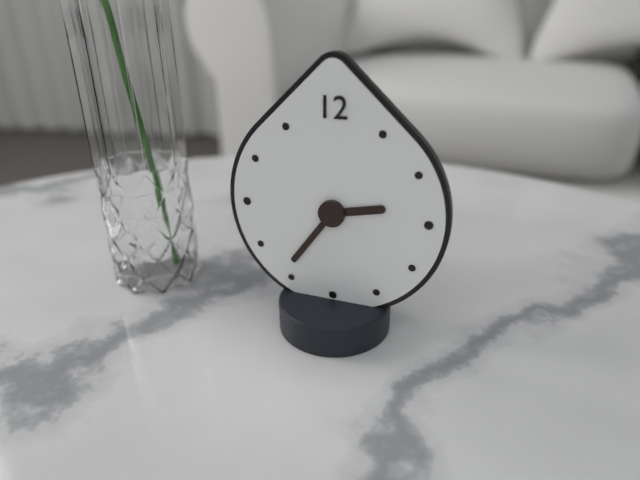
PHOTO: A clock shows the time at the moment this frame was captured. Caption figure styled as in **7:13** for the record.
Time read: **2:36**
